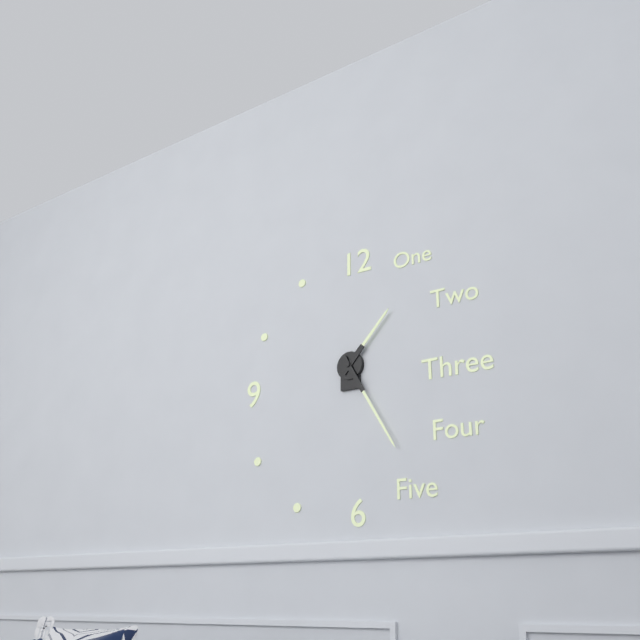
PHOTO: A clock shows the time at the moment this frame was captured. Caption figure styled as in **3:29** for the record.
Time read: **1:25**
